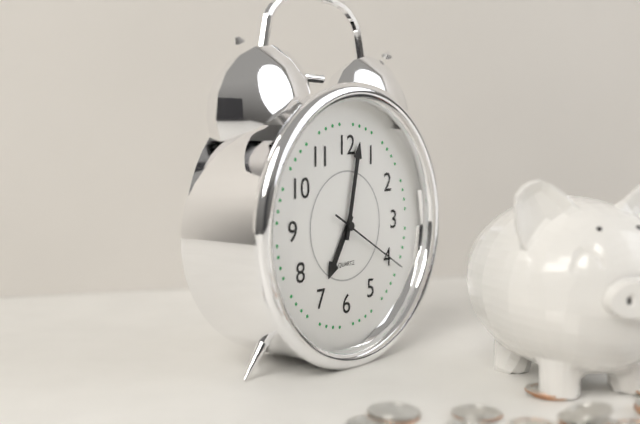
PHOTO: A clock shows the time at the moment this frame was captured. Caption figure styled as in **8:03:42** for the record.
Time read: **7:02:20**
